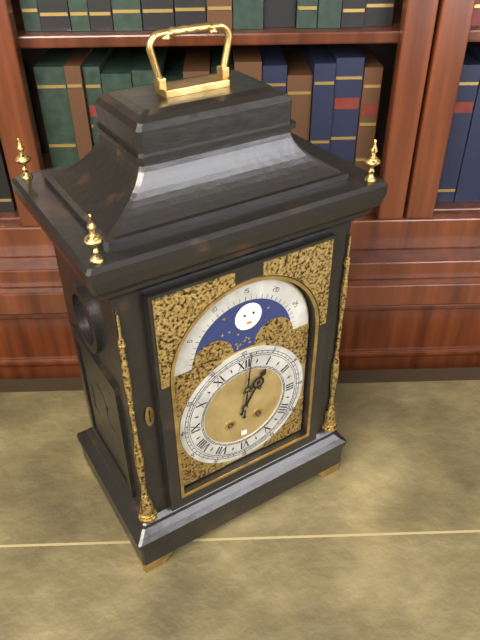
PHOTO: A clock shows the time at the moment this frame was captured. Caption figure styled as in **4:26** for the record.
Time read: **1:01**
